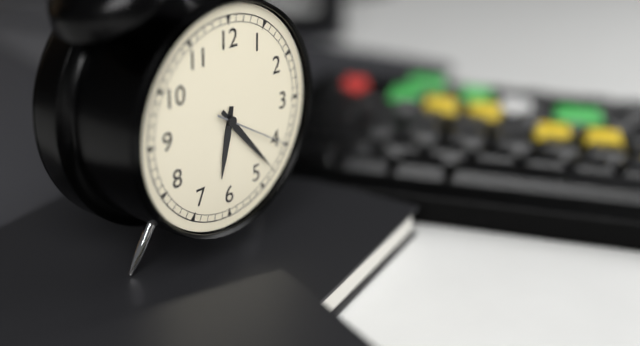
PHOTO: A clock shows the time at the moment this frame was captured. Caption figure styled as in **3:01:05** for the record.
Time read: **6:23:20**
